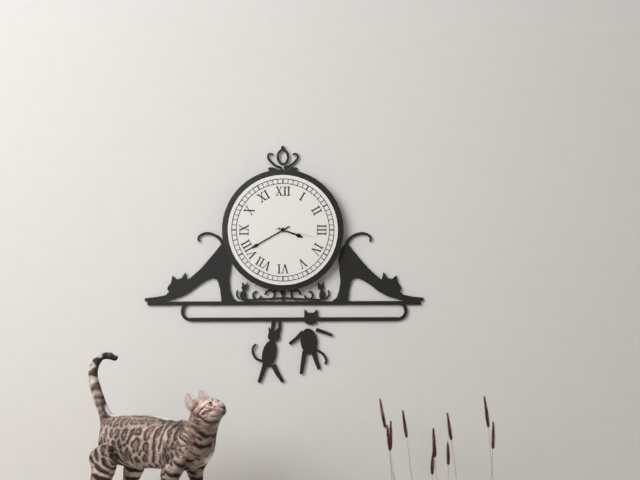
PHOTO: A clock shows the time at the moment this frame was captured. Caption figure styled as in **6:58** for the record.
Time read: **3:40**
